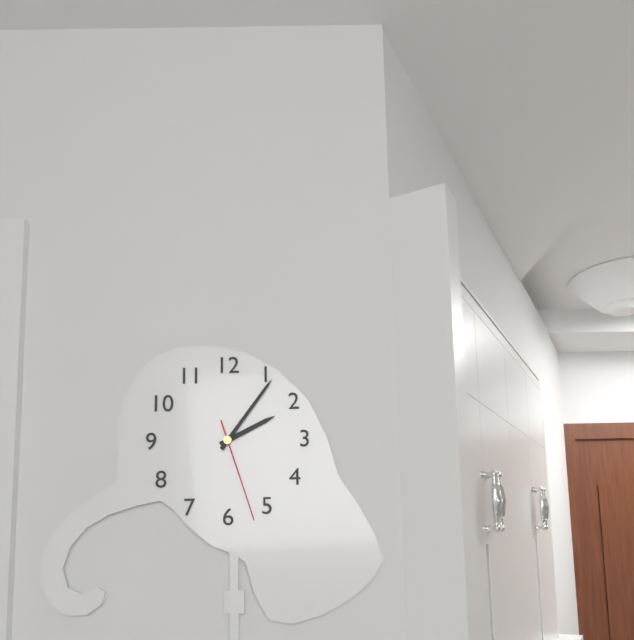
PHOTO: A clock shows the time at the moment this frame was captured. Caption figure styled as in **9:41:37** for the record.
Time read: **2:06:27**
